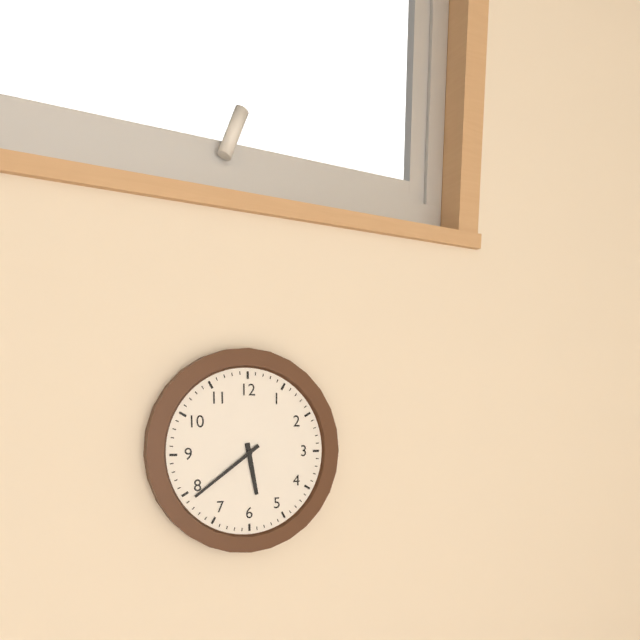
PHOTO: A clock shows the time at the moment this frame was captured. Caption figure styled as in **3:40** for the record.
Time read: **5:39**
